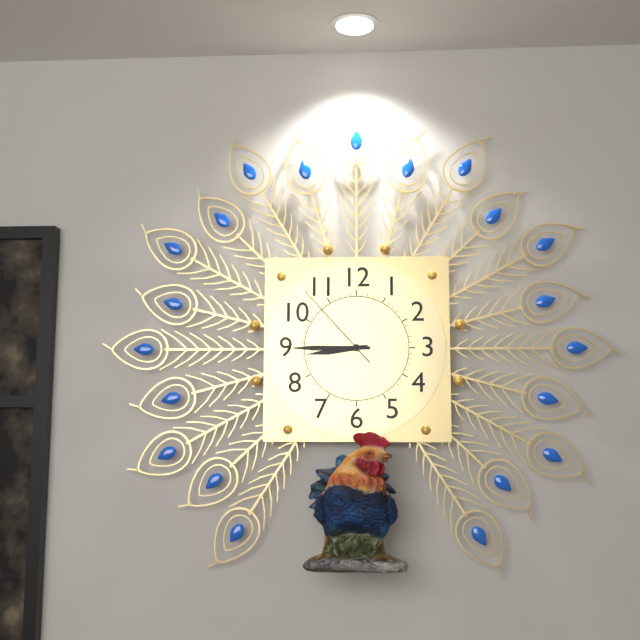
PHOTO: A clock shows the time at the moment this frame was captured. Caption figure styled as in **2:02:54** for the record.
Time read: **8:45:53**
